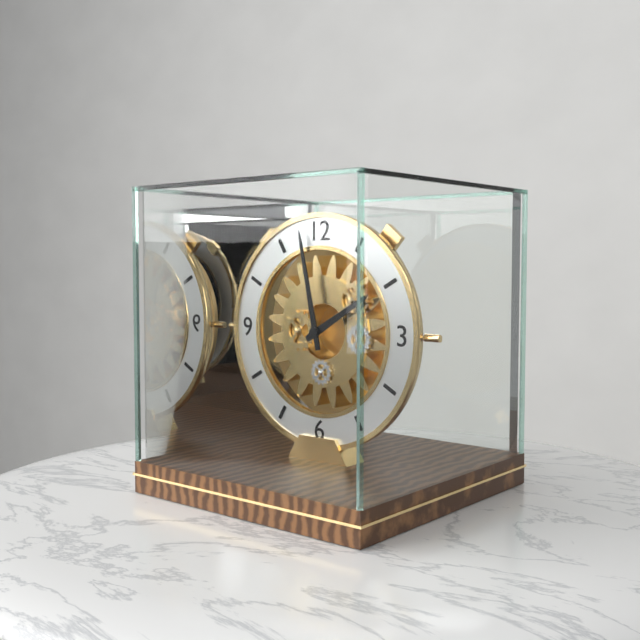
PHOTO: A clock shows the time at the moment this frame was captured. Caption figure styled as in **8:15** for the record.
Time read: **1:58**
